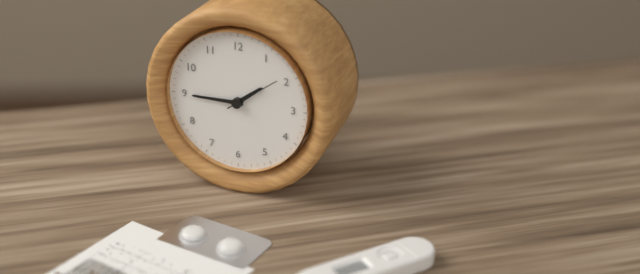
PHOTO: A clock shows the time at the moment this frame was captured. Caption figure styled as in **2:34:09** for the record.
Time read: **1:45:09**
